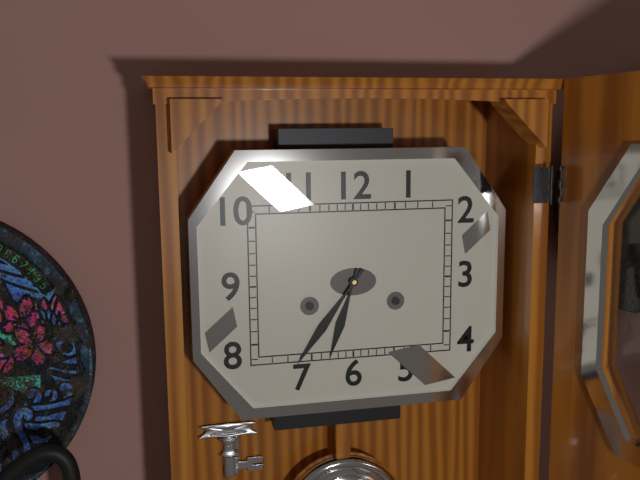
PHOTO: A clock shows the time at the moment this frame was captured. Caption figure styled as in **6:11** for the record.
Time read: **6:36**
